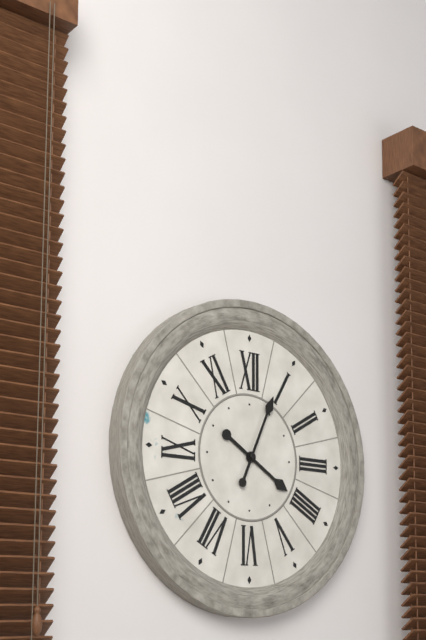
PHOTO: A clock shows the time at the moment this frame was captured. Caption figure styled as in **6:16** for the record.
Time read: **4:04**
